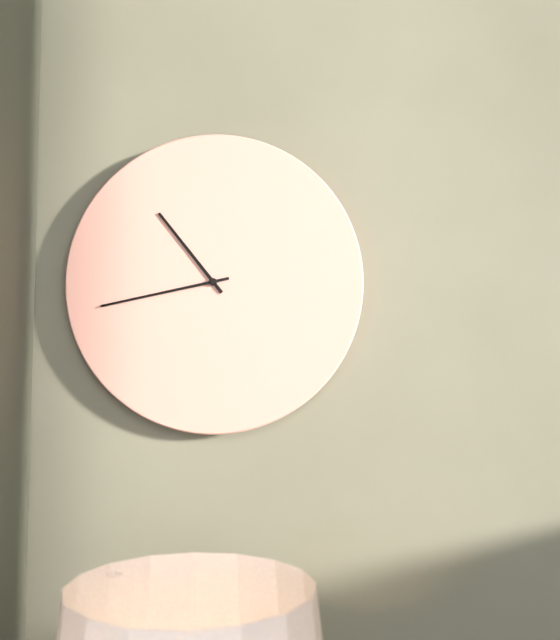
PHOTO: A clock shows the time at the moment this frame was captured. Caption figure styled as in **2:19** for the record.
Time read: **10:43**
